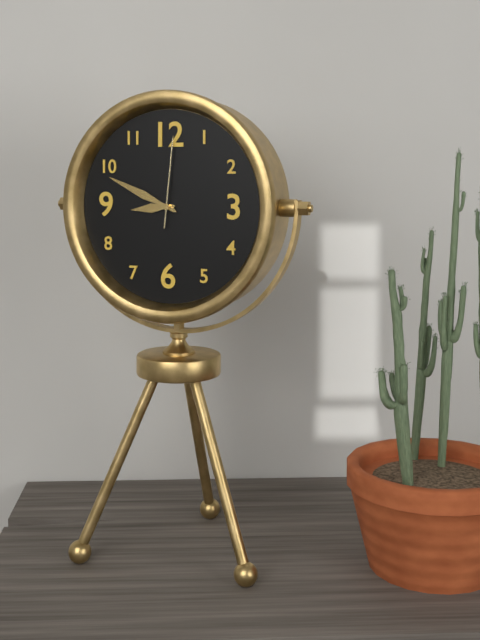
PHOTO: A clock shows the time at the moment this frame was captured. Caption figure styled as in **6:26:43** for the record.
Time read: **8:49:01**
